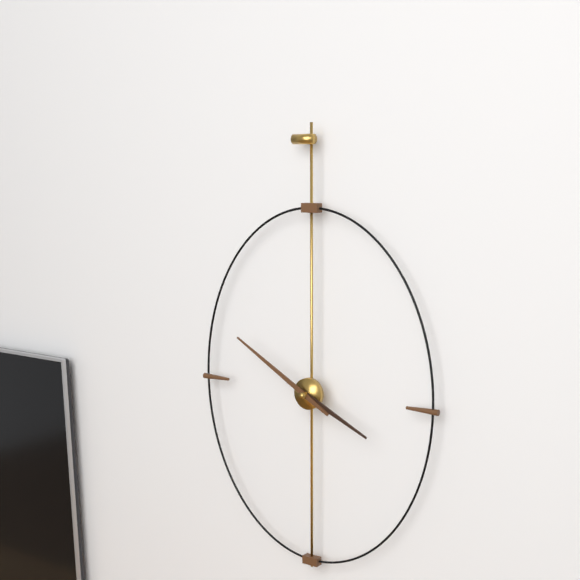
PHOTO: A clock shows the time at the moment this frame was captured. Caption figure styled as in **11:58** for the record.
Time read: **3:50**
